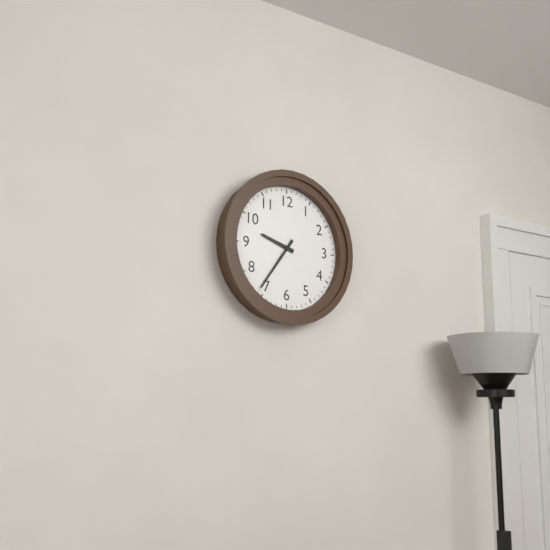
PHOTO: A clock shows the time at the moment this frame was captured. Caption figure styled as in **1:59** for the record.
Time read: **9:36**
